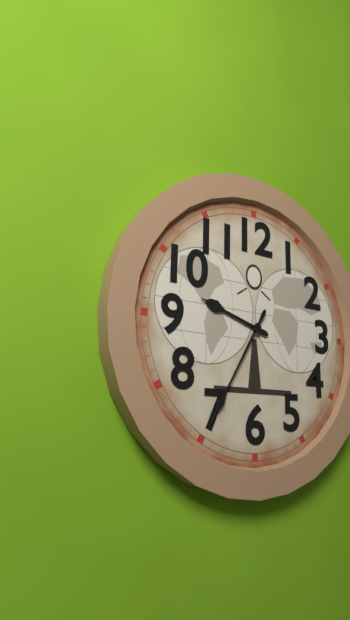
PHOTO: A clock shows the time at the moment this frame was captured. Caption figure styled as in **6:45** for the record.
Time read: **9:35**
